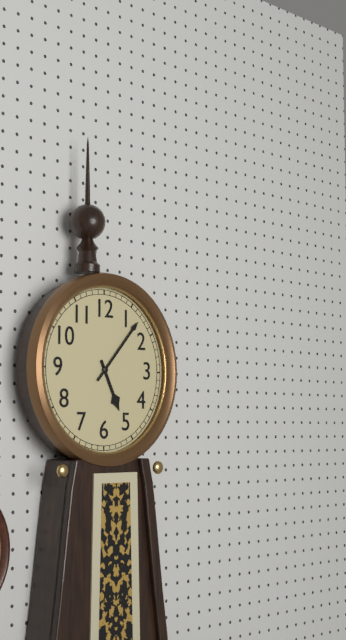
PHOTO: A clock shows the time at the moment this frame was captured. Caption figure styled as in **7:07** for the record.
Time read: **5:07**
